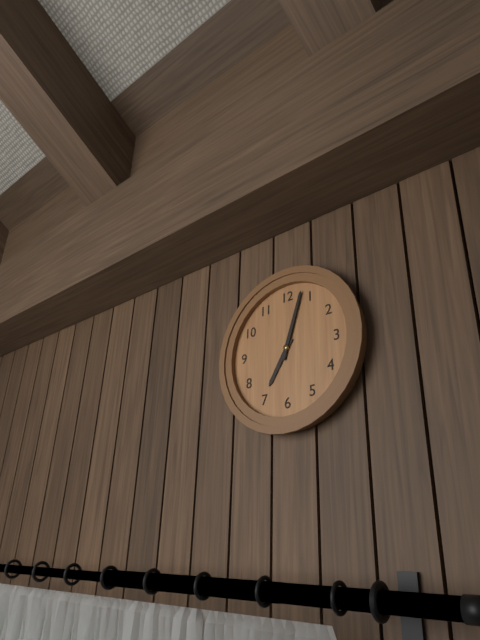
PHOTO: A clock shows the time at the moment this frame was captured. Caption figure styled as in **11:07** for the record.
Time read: **7:03**
